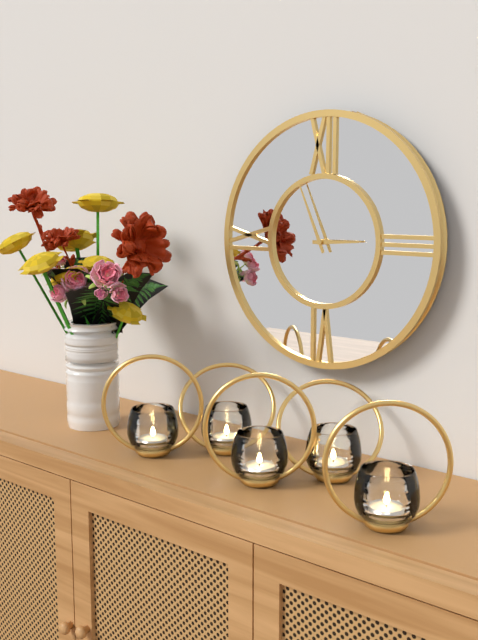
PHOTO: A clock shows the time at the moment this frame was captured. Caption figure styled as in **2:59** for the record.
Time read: **2:56**
